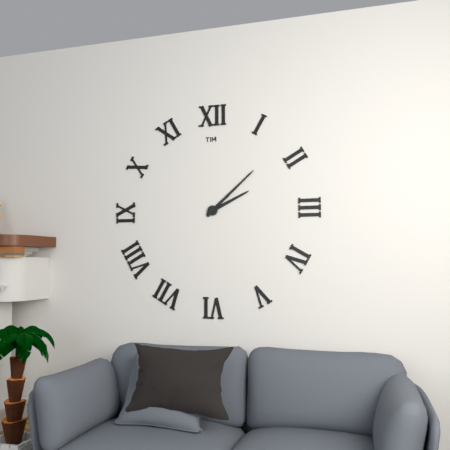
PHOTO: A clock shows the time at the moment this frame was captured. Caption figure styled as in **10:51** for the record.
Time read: **2:08**
